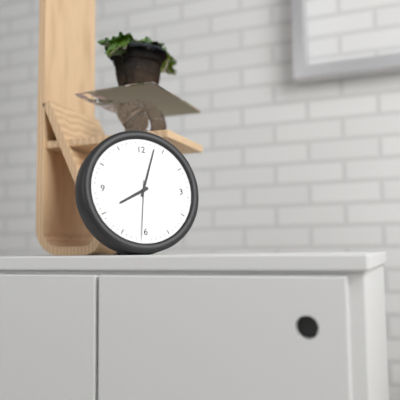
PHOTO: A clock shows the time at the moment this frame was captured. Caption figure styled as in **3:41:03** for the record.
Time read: **8:03:31**
